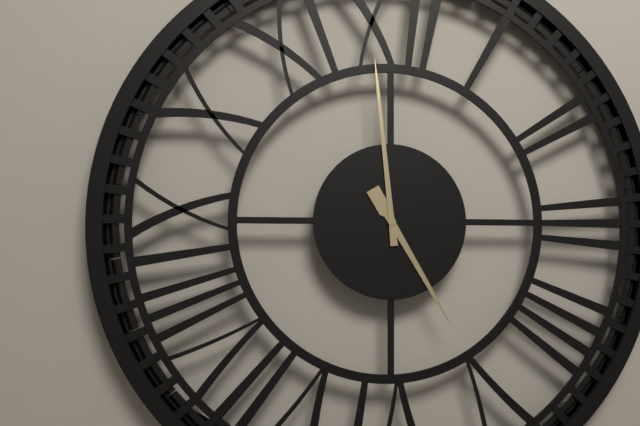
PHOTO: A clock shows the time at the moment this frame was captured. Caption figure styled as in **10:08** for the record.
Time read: **4:59**
